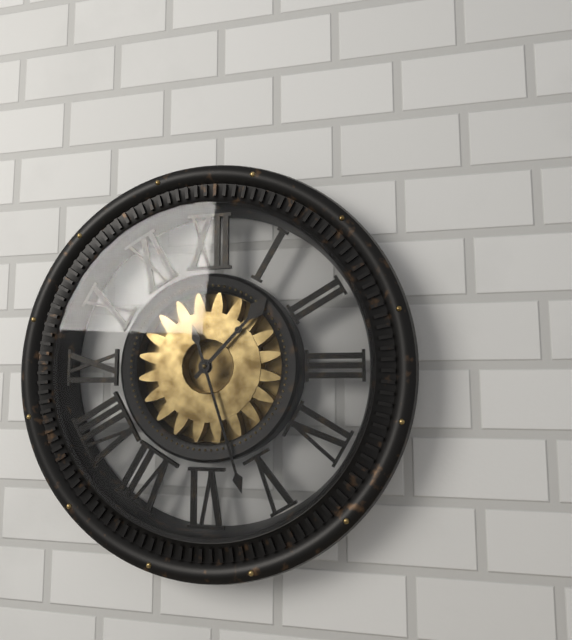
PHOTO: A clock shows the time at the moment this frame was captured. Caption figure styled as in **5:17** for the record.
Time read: **1:27**
